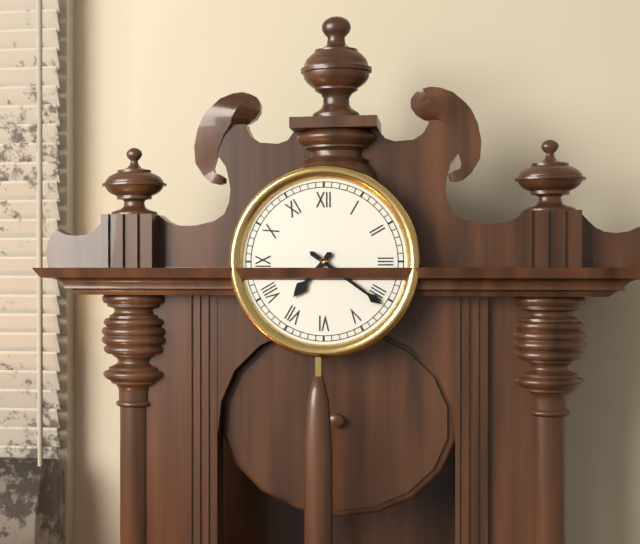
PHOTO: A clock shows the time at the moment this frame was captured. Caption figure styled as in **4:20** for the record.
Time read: **7:21**
